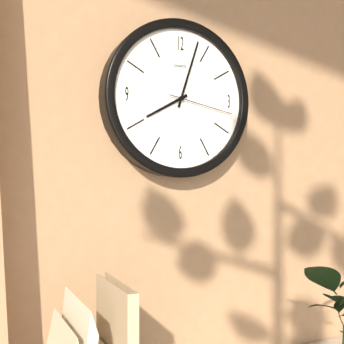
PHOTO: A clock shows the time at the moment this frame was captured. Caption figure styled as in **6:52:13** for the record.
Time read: **8:03:17**
